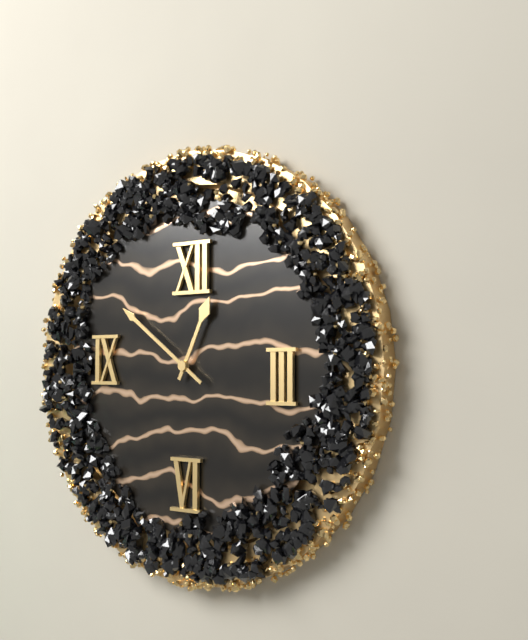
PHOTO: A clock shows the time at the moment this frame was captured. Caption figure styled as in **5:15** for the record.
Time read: **12:51**
